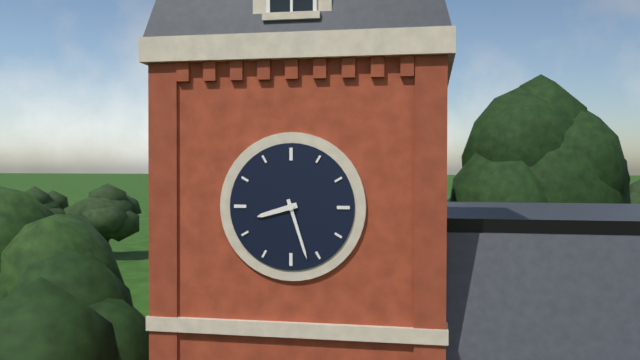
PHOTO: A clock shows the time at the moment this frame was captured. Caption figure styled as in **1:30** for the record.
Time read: **8:27**
